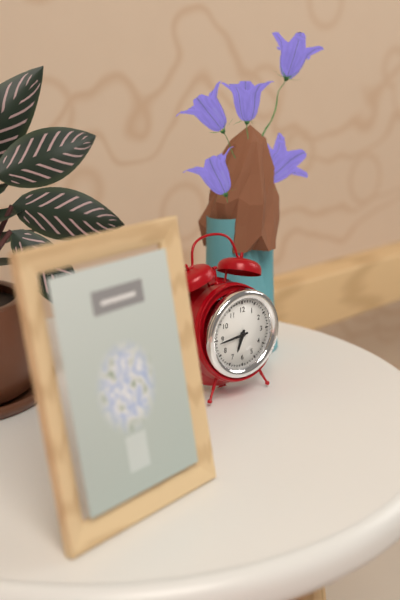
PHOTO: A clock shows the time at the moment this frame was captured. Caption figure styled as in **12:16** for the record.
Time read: **6:44**
